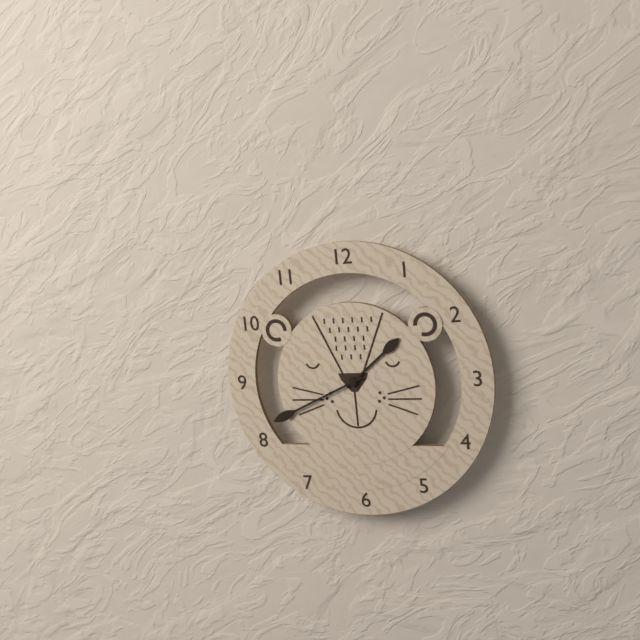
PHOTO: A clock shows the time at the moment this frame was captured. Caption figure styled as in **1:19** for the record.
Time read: **1:41**
